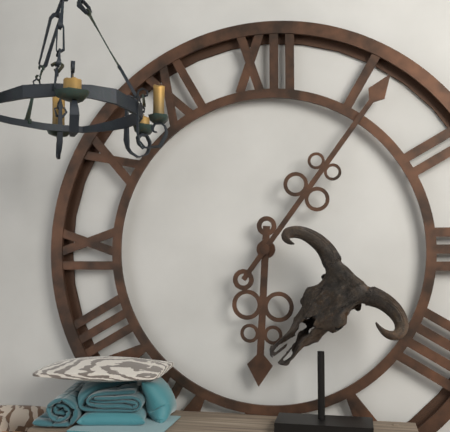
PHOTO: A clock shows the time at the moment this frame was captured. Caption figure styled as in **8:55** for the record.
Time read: **6:06**
